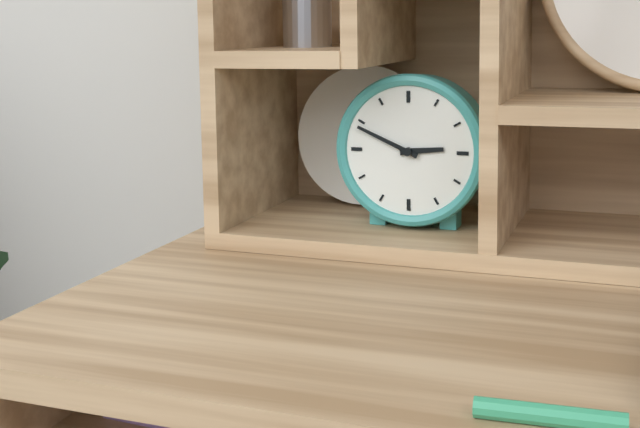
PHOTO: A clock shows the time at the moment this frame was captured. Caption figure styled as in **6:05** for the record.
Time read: **2:49**
